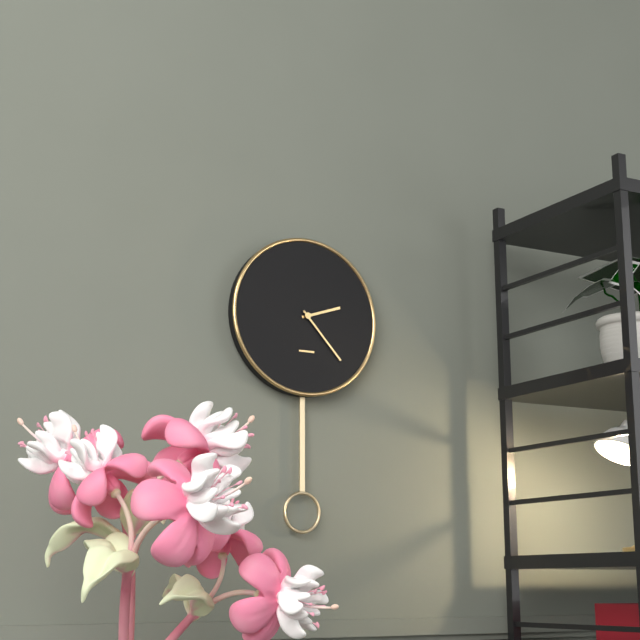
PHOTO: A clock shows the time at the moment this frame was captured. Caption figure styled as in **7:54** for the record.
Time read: **2:23**
